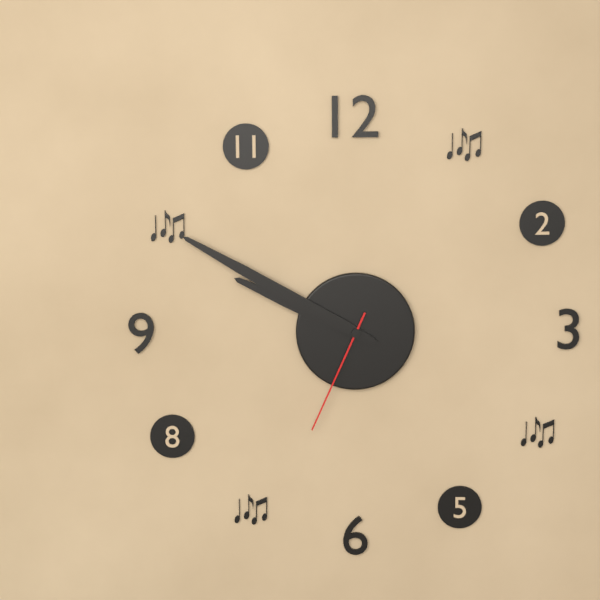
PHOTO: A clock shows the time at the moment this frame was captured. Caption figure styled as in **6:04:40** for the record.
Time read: **9:50:34**
